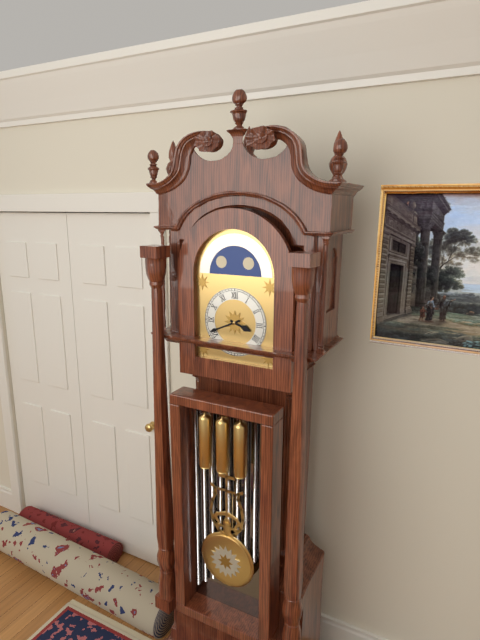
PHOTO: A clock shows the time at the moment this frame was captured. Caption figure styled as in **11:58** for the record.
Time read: **3:41**
